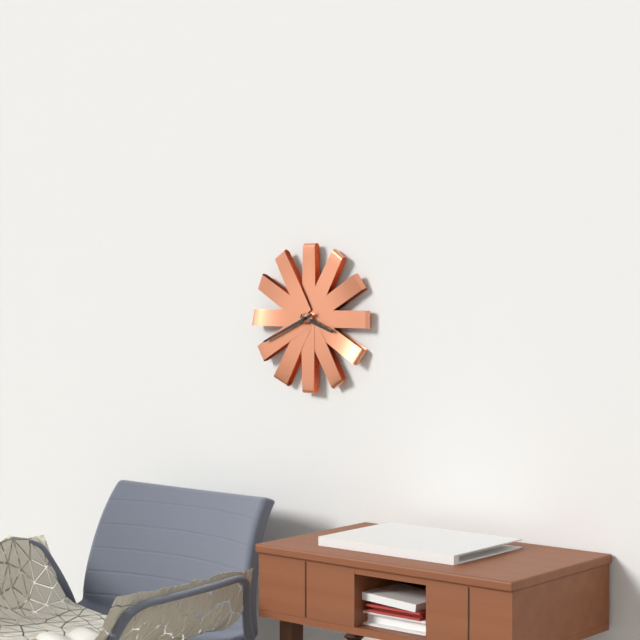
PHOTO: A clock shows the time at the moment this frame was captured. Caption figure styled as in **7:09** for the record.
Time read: **3:41**
